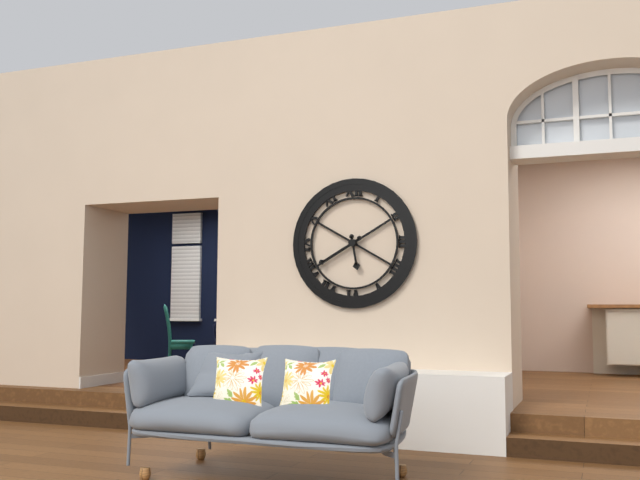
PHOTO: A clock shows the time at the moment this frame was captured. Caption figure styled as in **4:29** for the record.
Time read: **5:40**
